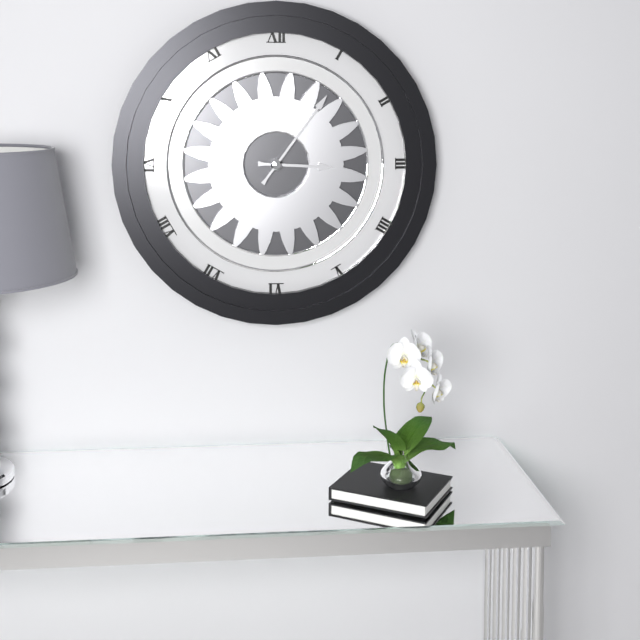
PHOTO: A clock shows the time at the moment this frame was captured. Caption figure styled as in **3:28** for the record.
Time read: **3:06**
